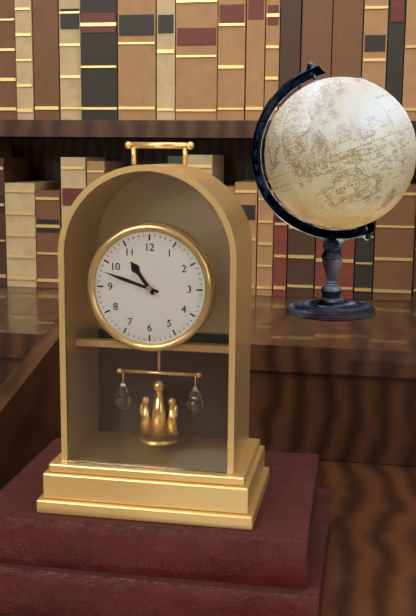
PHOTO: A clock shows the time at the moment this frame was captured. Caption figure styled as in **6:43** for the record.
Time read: **10:48**
